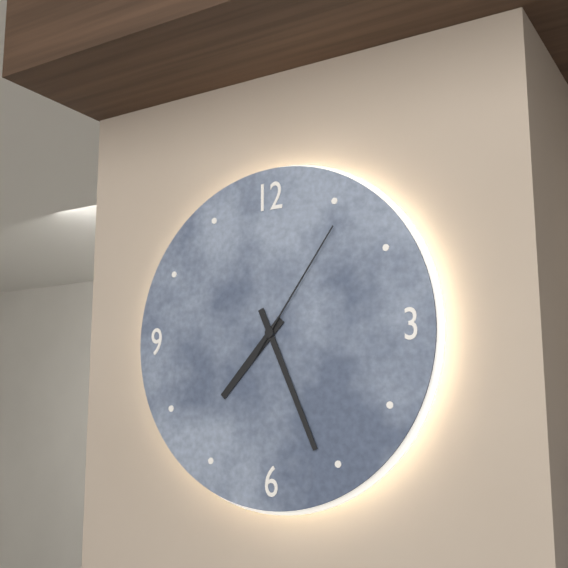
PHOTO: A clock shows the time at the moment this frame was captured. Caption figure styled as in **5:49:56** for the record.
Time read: **7:26:06**
